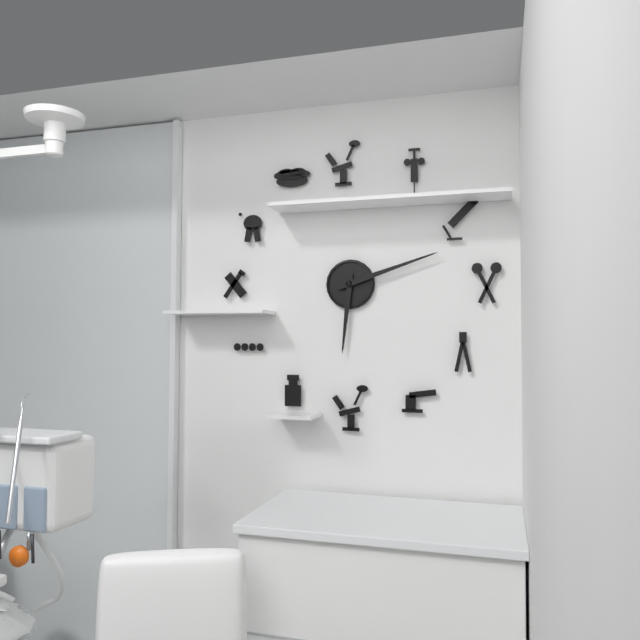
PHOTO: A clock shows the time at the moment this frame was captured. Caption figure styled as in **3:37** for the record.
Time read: **6:12**
